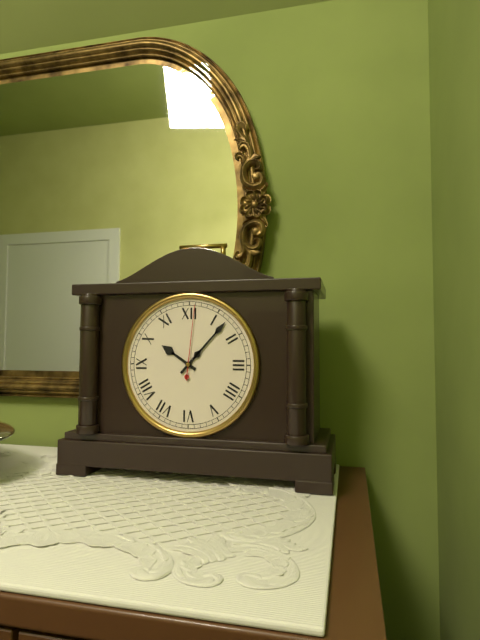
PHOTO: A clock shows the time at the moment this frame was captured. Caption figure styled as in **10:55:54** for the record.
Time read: **10:07:01**
